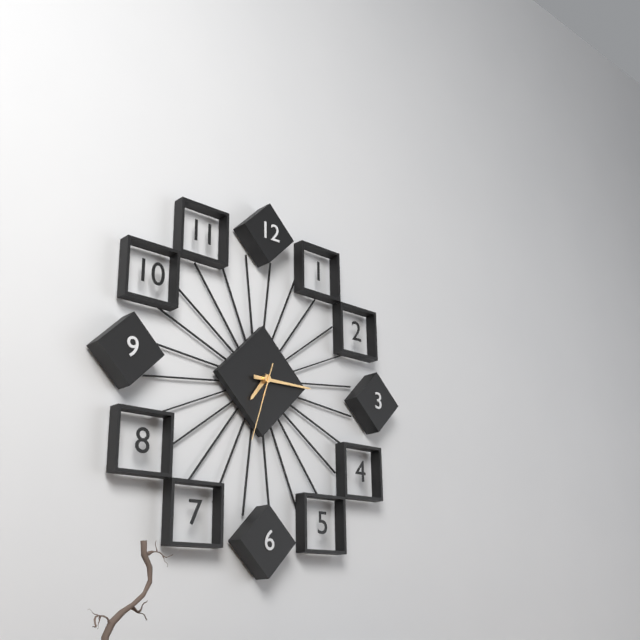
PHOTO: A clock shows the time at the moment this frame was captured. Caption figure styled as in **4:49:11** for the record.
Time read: **7:15:33**
